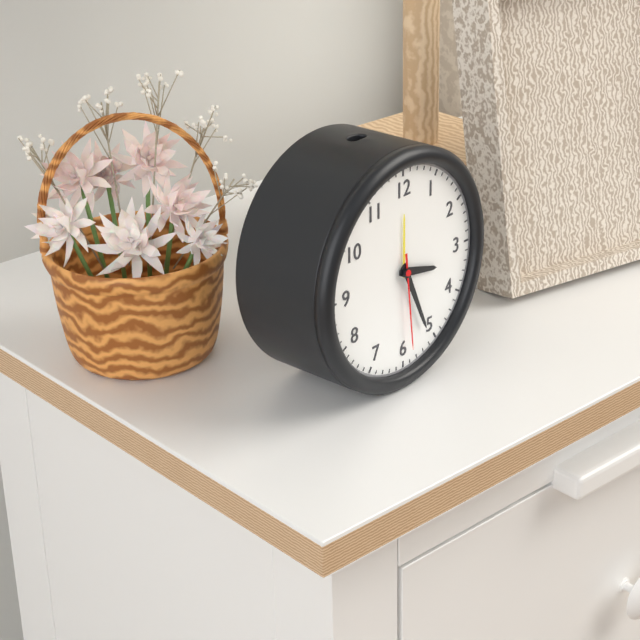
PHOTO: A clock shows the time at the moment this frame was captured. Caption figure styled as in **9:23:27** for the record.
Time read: **3:26:29**
